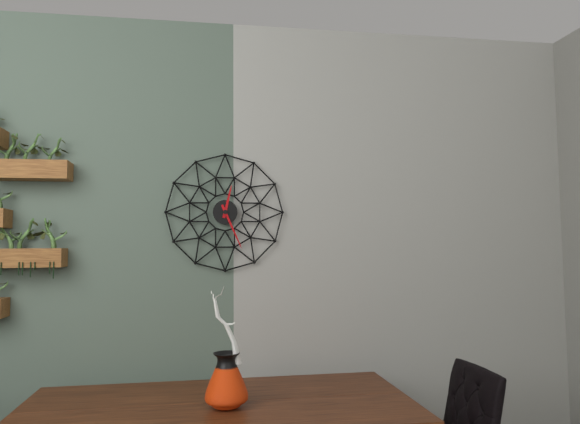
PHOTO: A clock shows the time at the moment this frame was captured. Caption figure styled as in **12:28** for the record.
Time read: **12:26**
